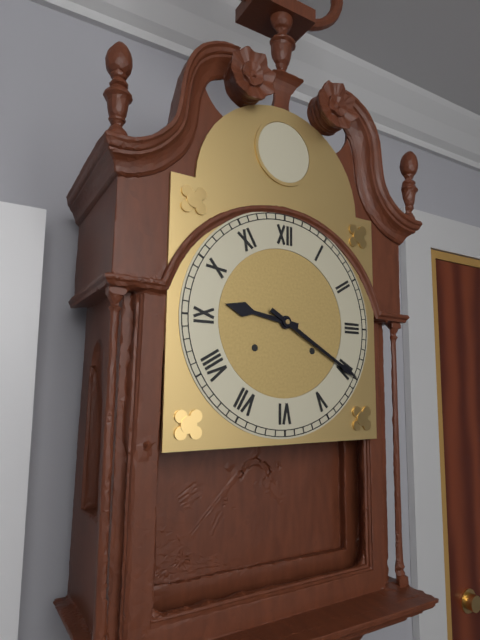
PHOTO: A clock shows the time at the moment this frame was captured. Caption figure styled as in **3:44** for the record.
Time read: **9:20**
